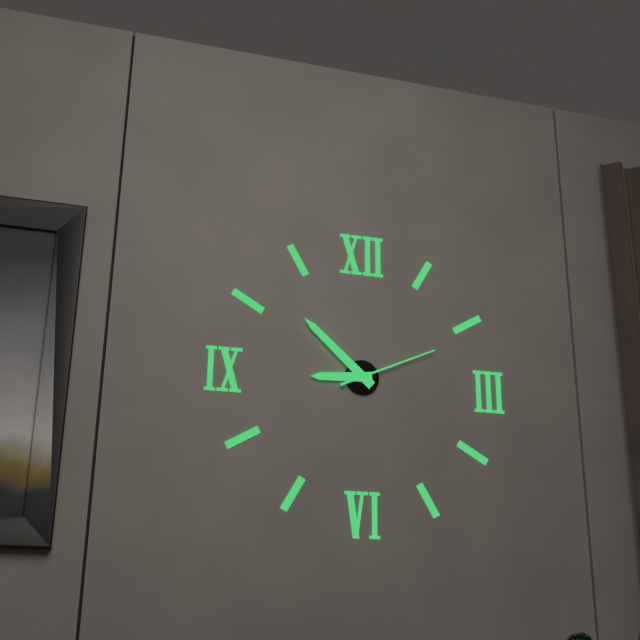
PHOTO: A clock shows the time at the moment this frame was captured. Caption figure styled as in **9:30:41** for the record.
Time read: **8:52:11**
